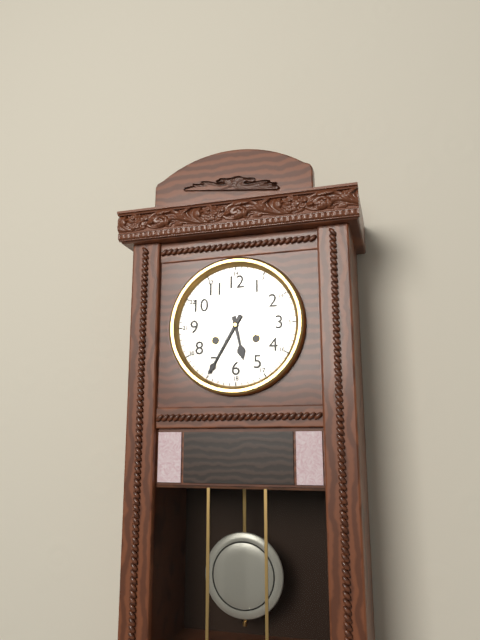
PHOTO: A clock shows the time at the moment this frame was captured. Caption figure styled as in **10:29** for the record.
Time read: **5:35**
